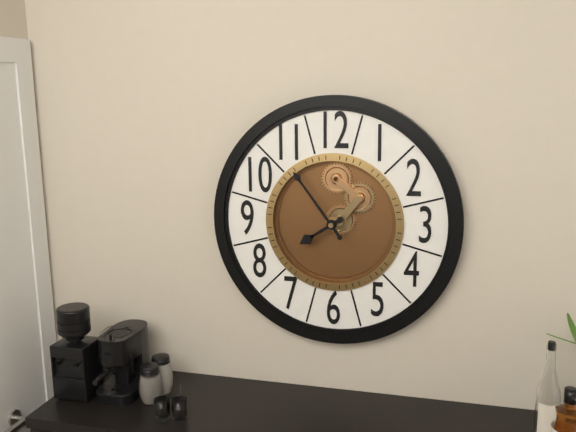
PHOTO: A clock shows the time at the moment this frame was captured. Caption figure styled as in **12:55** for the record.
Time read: **7:54**
